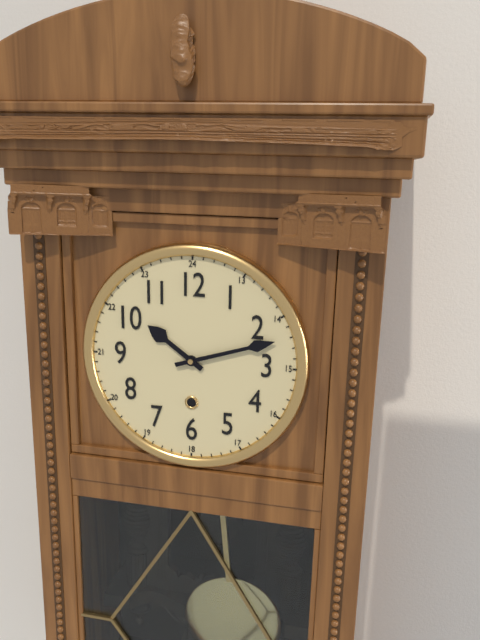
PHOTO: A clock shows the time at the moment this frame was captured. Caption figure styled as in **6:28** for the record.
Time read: **10:12**
